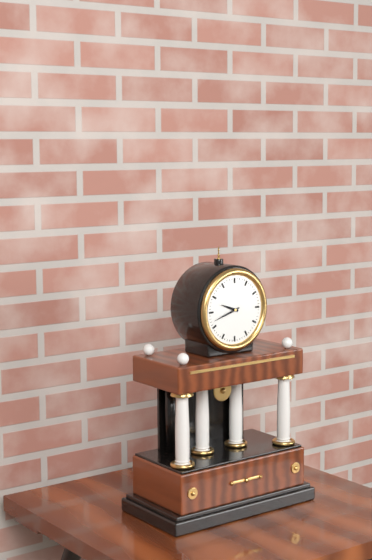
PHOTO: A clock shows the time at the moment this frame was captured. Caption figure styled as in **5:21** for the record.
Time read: **9:42**
